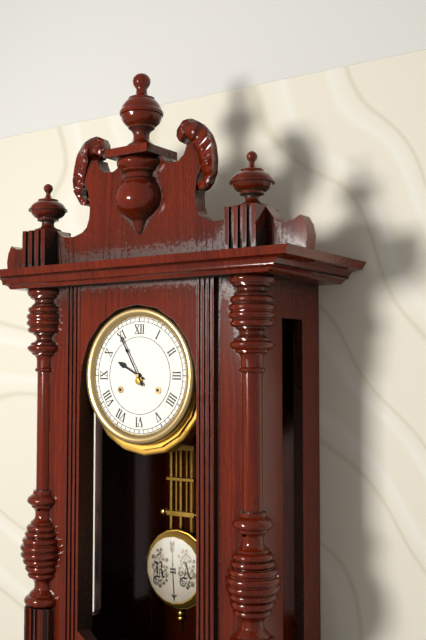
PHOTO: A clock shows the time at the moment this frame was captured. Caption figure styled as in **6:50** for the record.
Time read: **9:55**
